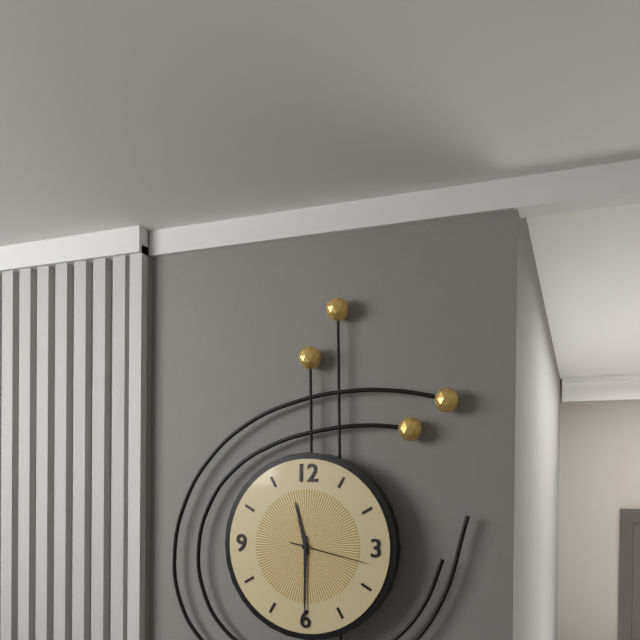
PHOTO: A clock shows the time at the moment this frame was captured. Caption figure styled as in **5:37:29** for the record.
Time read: **11:30:17**
